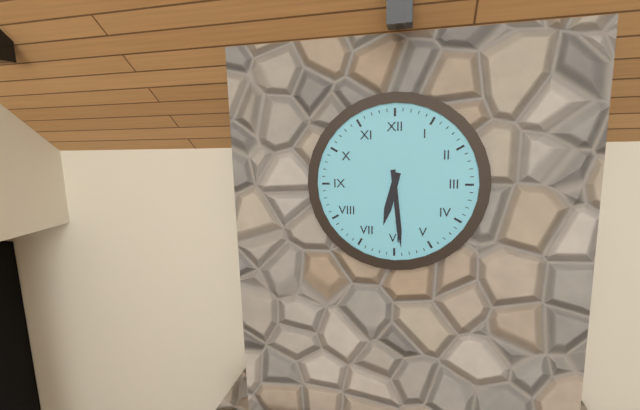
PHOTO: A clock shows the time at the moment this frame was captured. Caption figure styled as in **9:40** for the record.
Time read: **6:29**
